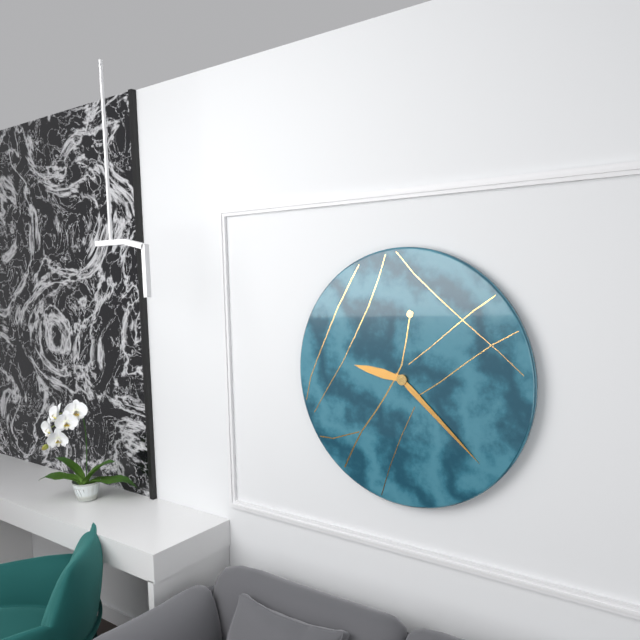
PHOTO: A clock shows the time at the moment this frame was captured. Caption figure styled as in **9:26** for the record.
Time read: **9:22**
